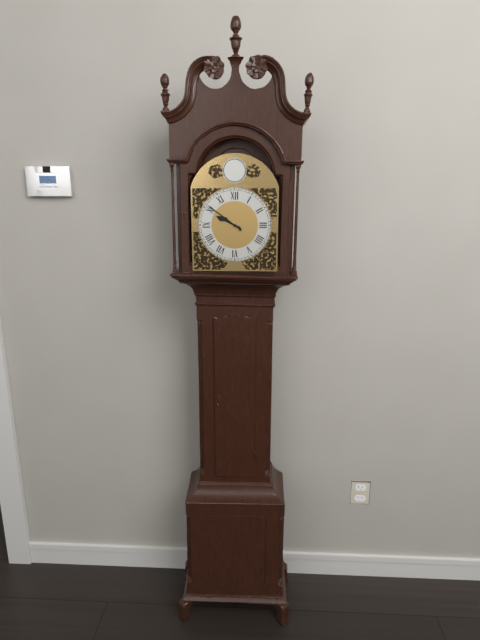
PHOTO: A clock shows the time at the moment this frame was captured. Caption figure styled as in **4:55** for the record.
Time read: **9:51**
